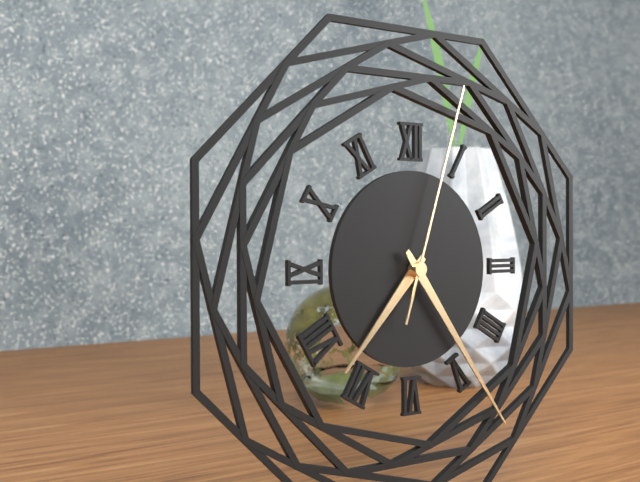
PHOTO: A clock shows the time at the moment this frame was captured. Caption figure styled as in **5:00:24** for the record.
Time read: **7:24:03**
